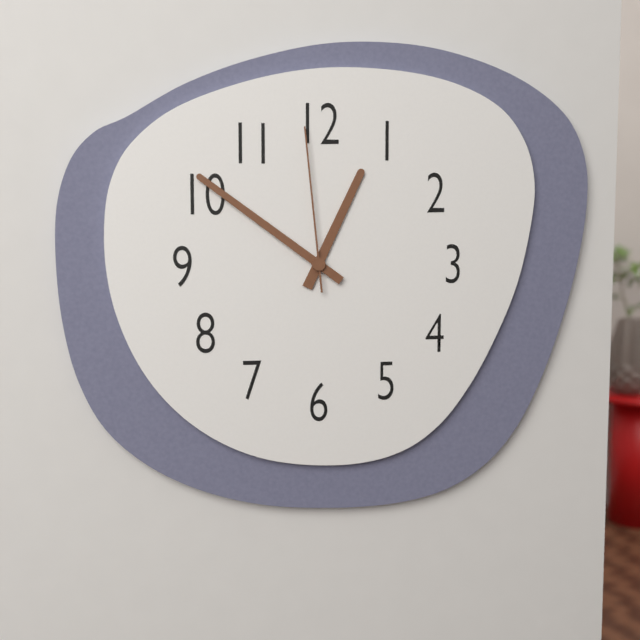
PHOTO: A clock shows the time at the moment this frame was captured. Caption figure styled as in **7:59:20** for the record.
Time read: **12:51:59**
